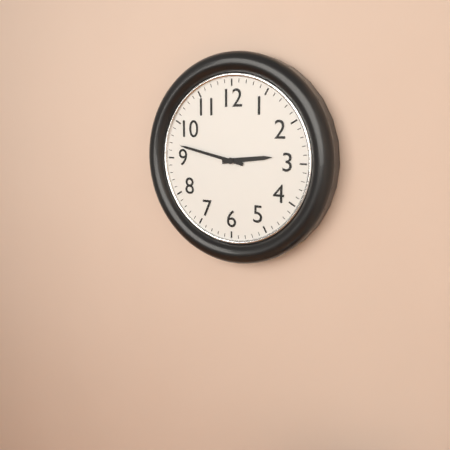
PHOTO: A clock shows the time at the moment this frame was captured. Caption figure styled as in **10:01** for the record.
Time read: **2:47**
